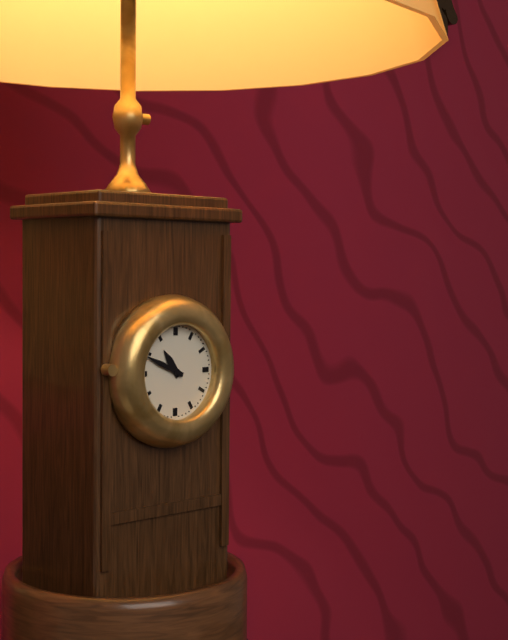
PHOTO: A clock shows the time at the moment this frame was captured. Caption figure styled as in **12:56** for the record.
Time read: **10:49**
